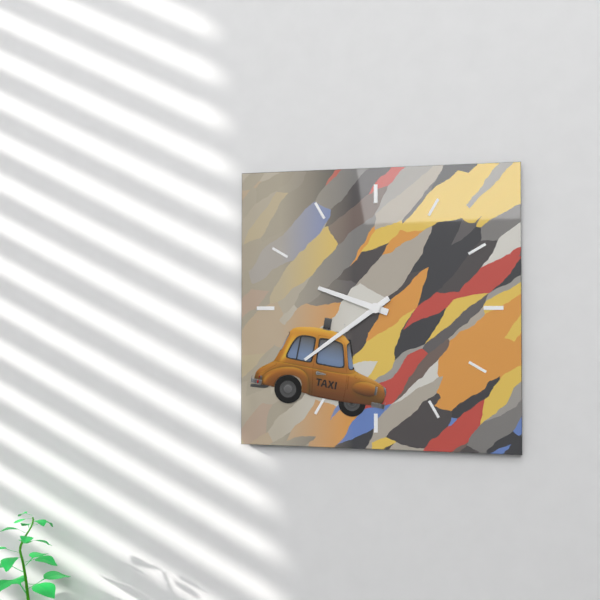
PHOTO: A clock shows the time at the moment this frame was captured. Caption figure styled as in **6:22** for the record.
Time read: **9:39**
